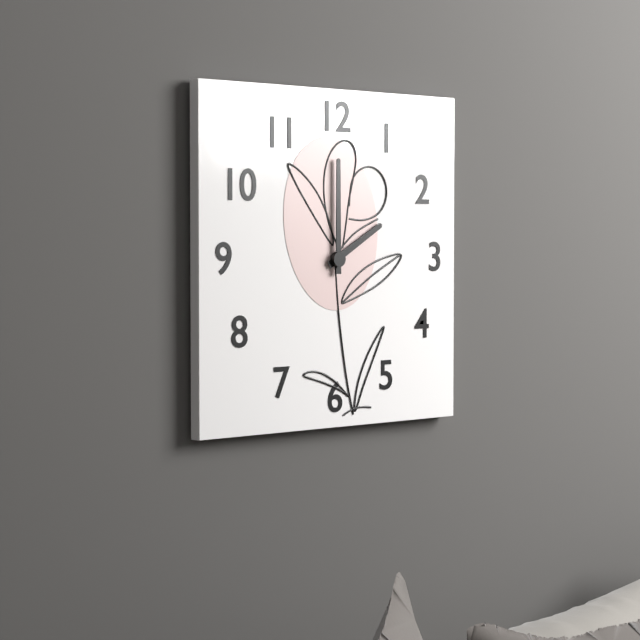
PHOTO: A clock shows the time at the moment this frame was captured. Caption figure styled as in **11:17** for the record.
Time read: **2:00**
